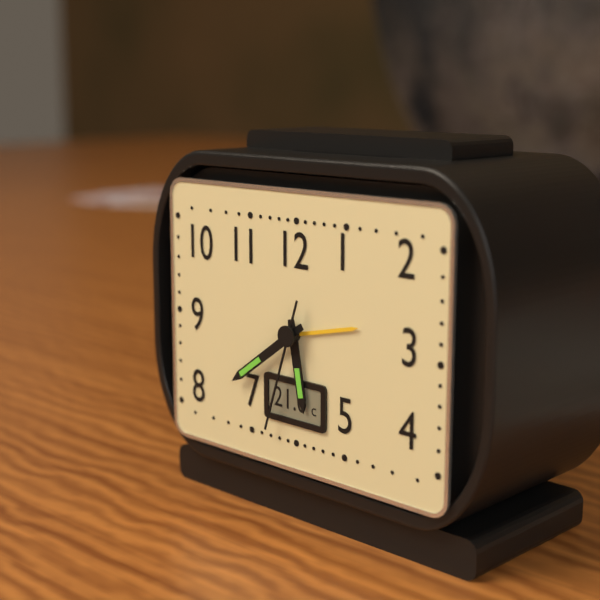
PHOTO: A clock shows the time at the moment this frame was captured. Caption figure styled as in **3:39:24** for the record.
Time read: **5:39:33**
